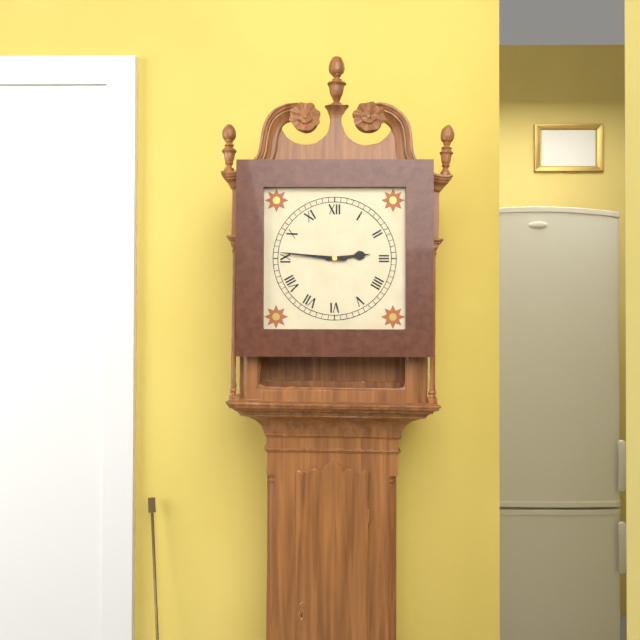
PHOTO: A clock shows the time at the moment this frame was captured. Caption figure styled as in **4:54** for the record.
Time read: **2:46**
